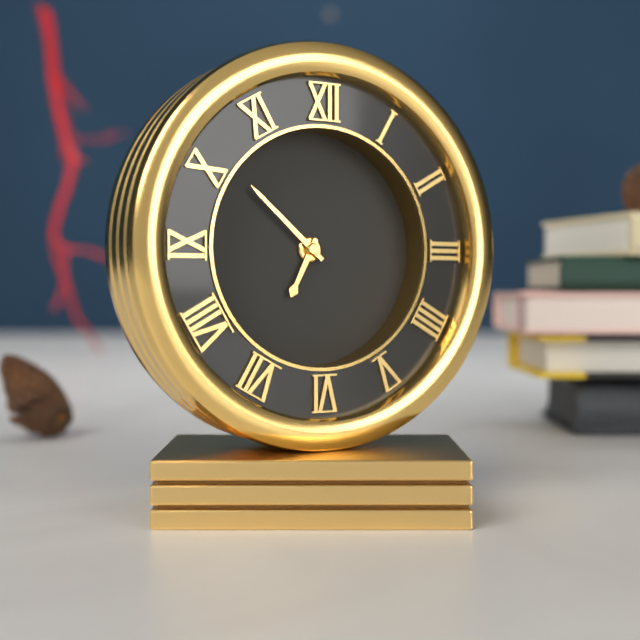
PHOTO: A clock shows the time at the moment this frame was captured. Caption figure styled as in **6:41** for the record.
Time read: **6:52**
